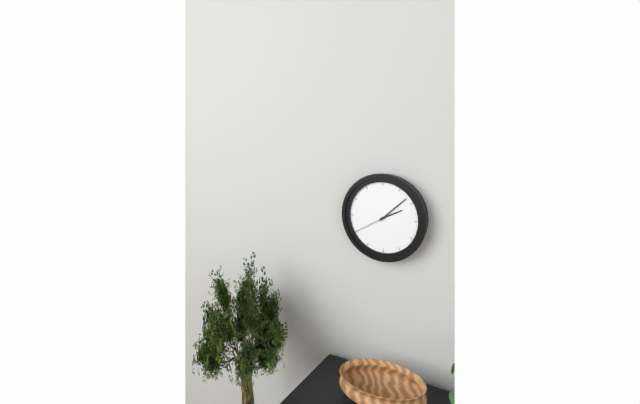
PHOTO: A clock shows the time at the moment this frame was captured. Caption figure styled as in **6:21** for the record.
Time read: **2:08**
